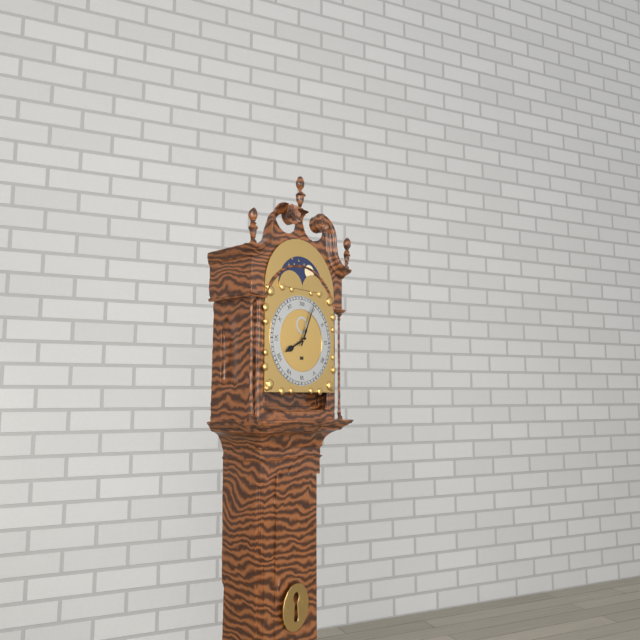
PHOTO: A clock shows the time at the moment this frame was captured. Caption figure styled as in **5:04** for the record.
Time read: **8:04**
